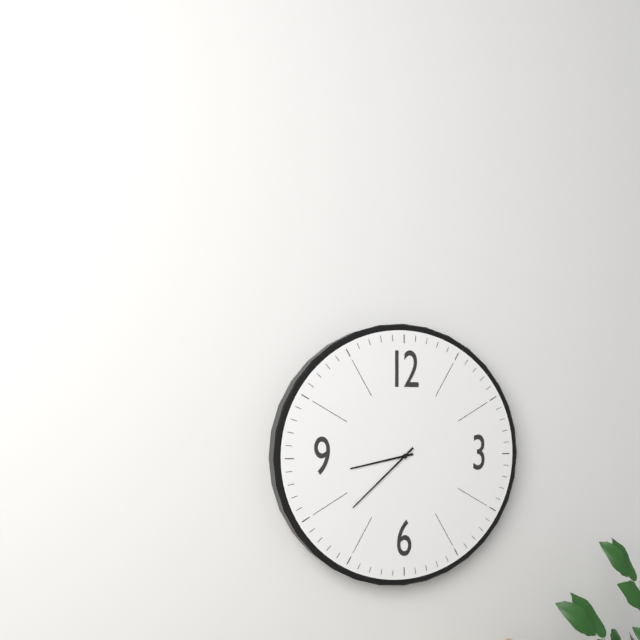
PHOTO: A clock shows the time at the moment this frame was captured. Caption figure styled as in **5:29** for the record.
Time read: **8:38**
